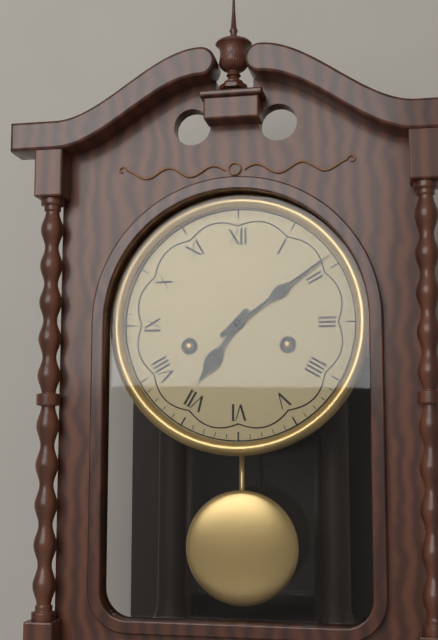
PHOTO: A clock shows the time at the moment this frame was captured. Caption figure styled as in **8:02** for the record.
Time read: **7:09**
